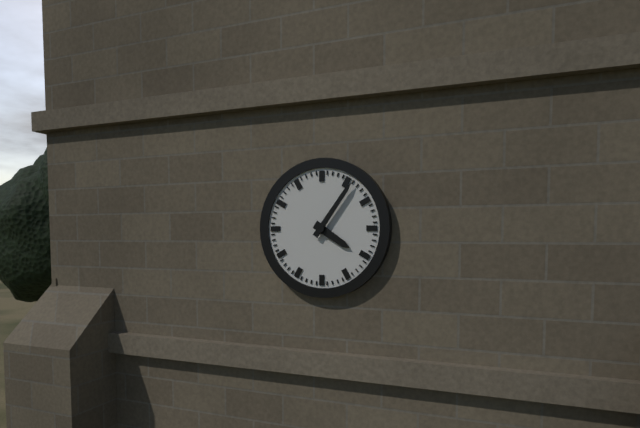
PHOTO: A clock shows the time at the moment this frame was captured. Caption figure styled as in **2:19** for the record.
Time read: **4:06**
